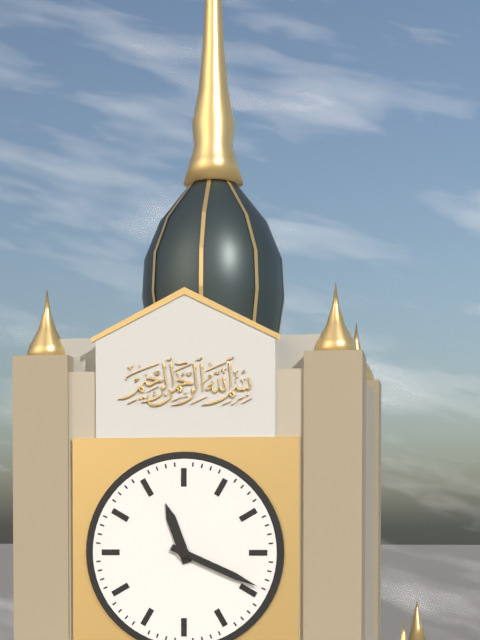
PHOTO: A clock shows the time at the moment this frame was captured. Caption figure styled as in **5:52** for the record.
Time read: **11:19**
